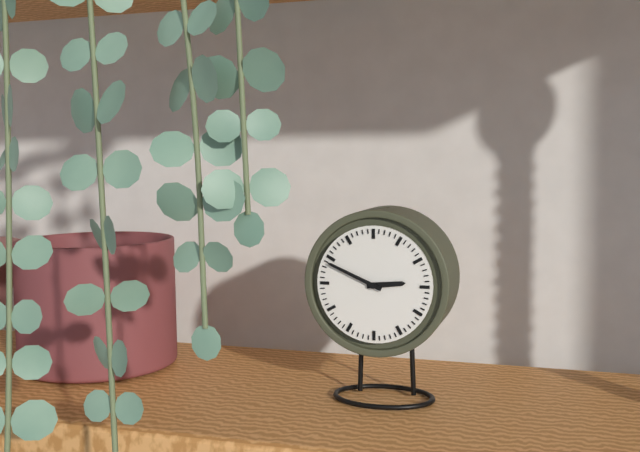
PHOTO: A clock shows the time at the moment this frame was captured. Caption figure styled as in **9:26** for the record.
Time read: **2:49**
